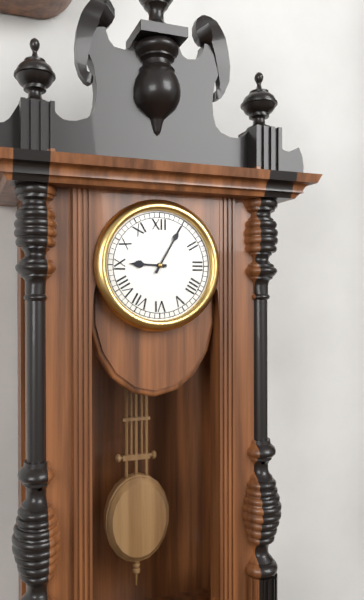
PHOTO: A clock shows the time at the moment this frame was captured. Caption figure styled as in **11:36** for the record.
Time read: **9:05**
